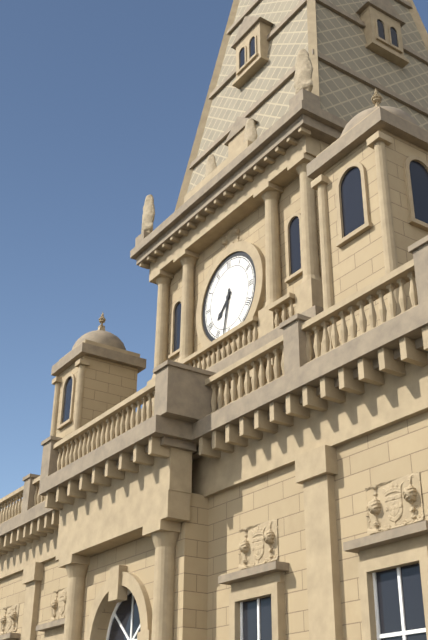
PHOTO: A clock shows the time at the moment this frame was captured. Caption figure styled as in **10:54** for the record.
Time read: **7:32**
